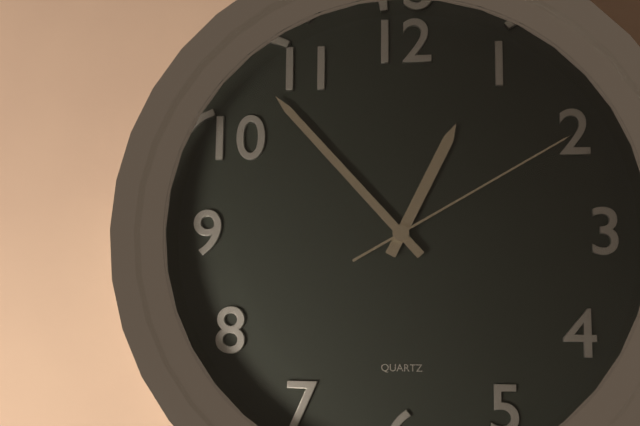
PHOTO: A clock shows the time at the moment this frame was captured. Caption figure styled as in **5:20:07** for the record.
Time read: **12:53:10**
